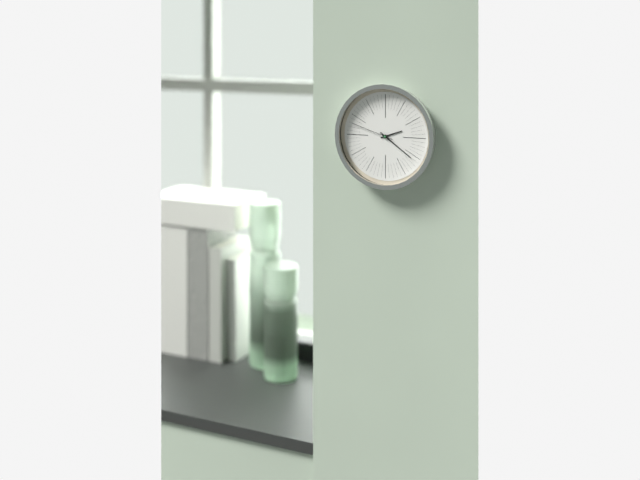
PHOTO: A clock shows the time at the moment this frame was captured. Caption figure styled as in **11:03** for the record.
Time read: **2:21**
